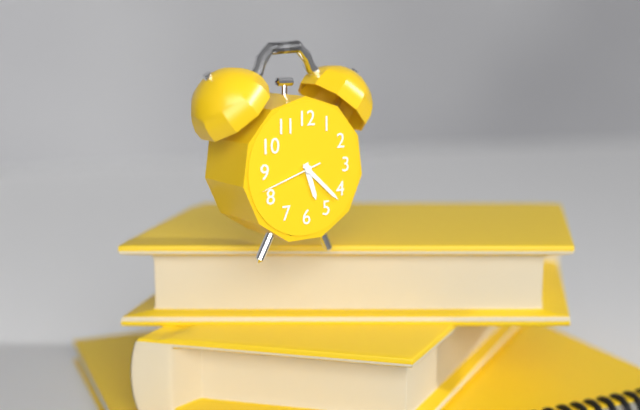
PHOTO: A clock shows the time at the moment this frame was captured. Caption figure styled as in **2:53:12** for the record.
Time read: **5:22:42**
